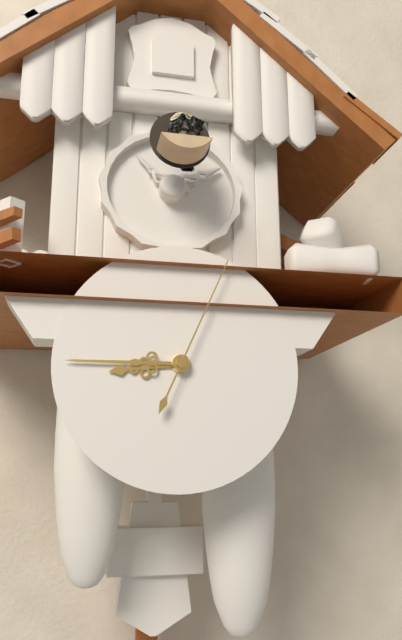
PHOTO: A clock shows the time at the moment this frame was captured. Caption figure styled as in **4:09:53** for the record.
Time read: **8:45:04**
